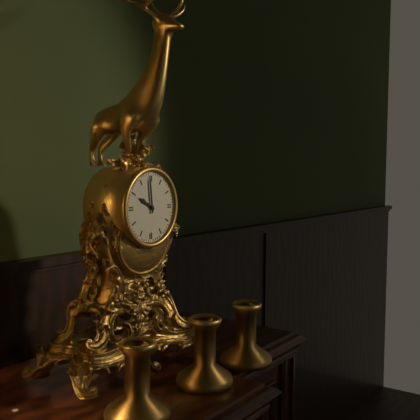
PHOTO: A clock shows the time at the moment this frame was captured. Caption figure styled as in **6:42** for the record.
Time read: **9:59**
